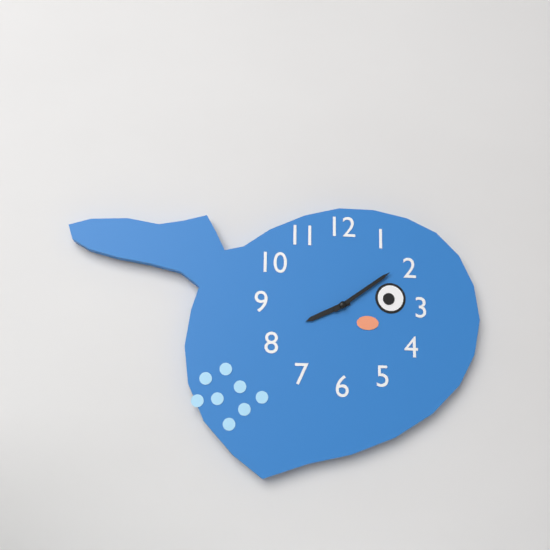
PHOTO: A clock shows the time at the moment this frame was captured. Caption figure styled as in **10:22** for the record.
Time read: **8:09**
